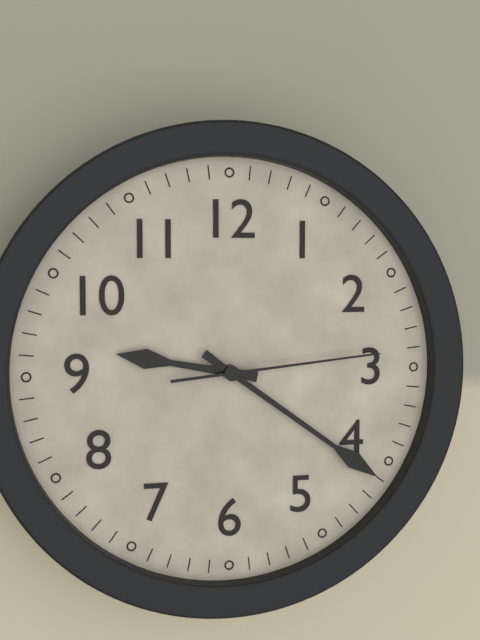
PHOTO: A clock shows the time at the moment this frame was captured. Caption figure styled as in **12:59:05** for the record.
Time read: **9:21:14**
